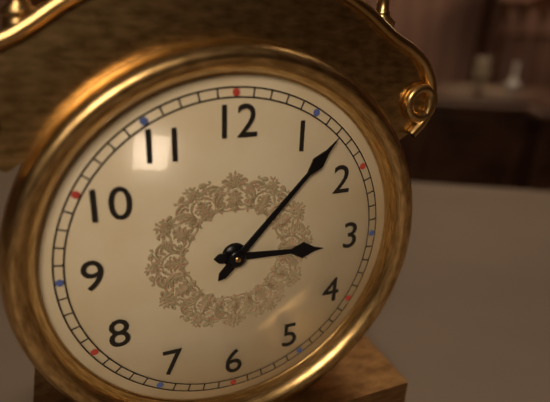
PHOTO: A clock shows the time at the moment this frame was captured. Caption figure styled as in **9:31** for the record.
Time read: **3:07**
